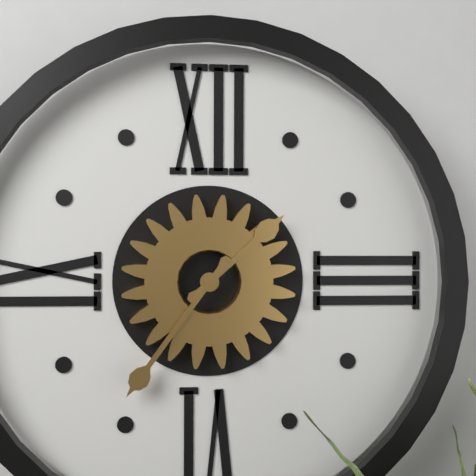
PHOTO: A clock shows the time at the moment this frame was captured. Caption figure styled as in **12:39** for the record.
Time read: **1:36**
